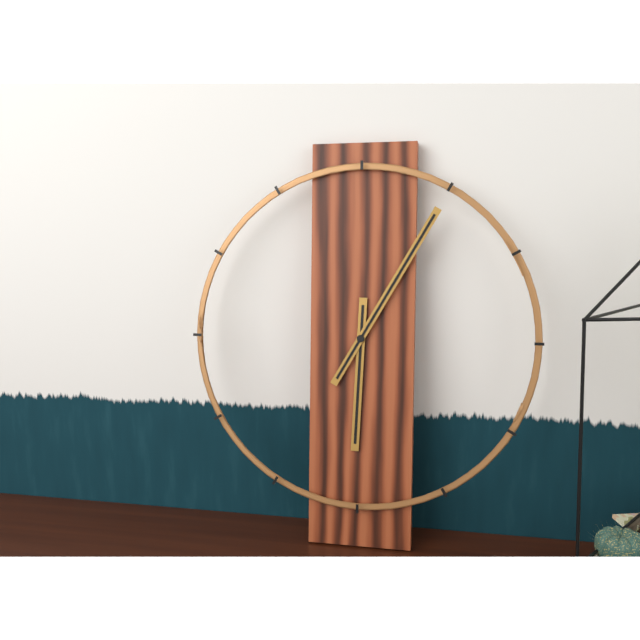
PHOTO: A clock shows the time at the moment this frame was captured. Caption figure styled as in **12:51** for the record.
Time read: **6:05**
